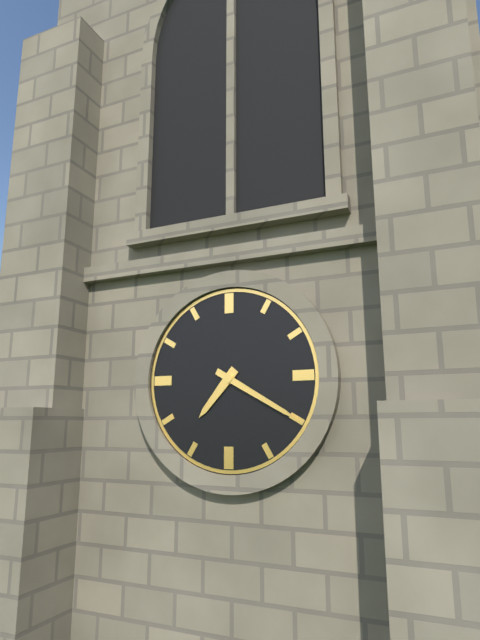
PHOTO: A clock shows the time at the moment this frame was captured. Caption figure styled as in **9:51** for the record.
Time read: **7:20**
